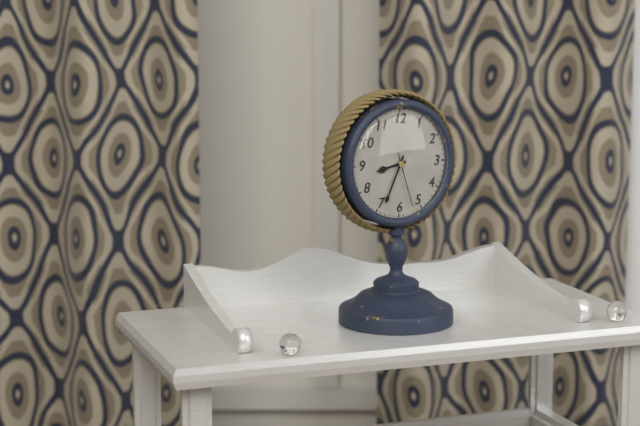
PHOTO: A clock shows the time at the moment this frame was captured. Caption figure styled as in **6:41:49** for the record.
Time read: **8:34:27**
